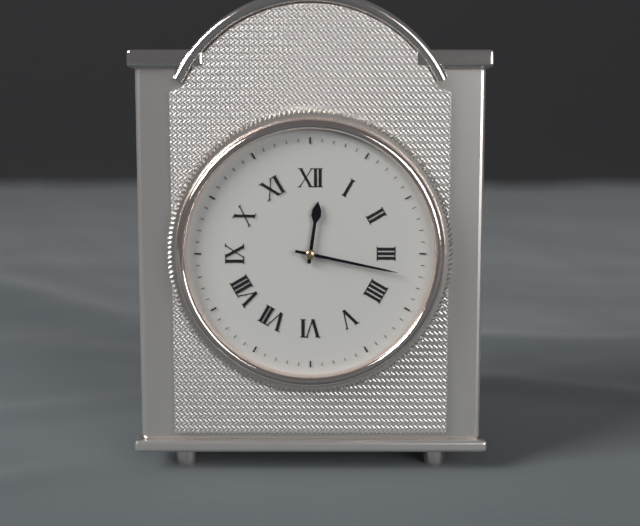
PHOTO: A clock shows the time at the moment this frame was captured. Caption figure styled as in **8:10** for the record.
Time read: **12:17**
